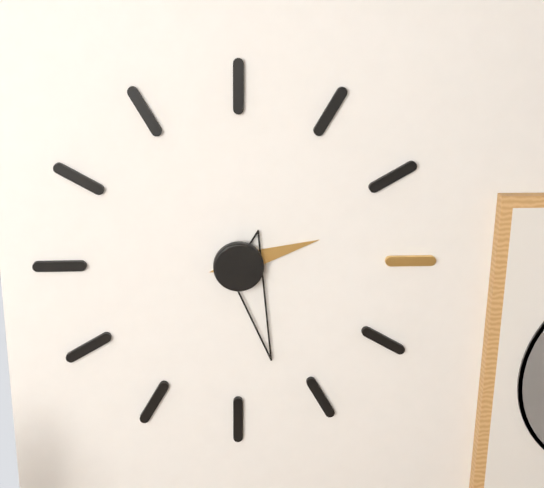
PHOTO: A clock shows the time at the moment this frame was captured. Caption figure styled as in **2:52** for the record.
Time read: **2:27**
